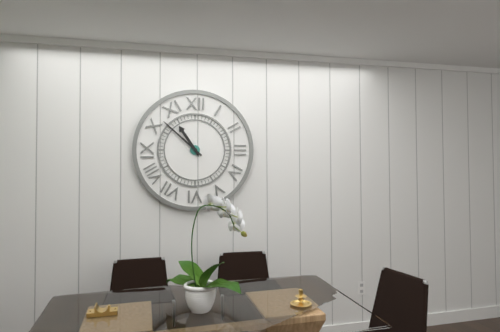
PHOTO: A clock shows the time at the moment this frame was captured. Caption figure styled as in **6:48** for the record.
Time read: **10:52**
